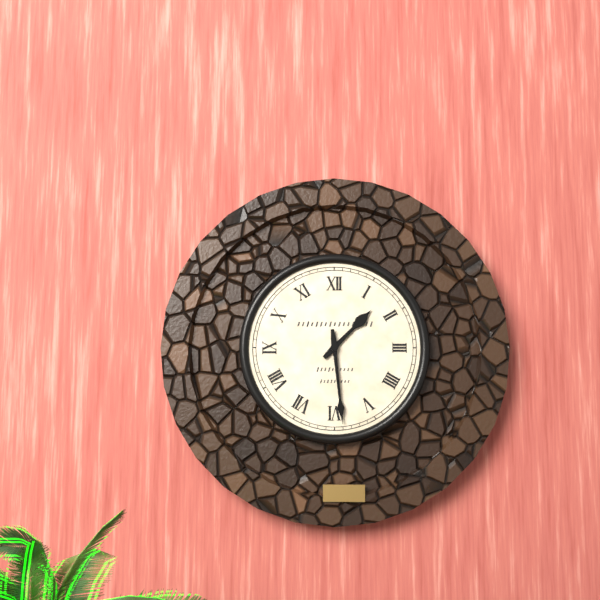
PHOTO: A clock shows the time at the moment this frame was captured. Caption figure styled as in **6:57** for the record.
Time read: **1:29**
